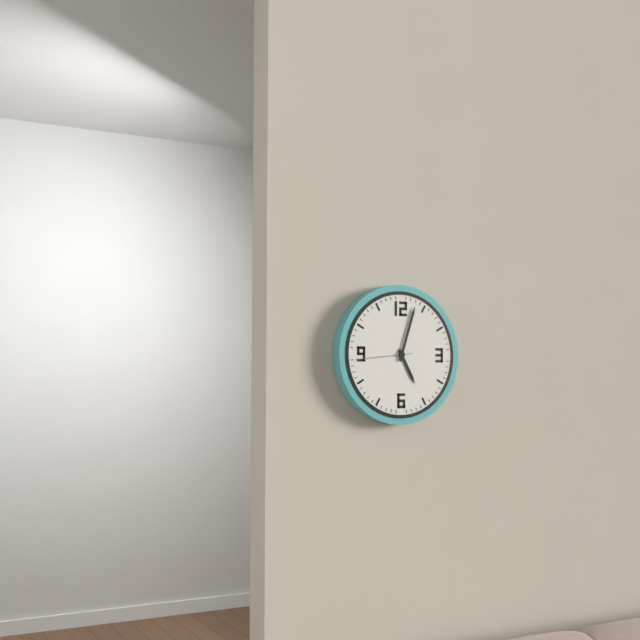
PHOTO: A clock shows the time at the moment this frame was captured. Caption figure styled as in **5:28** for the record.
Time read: **5:03**
